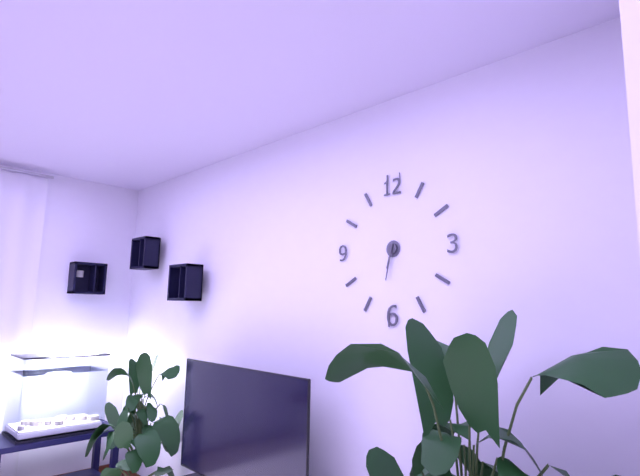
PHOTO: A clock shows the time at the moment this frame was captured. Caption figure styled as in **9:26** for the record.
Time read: **6:32**
